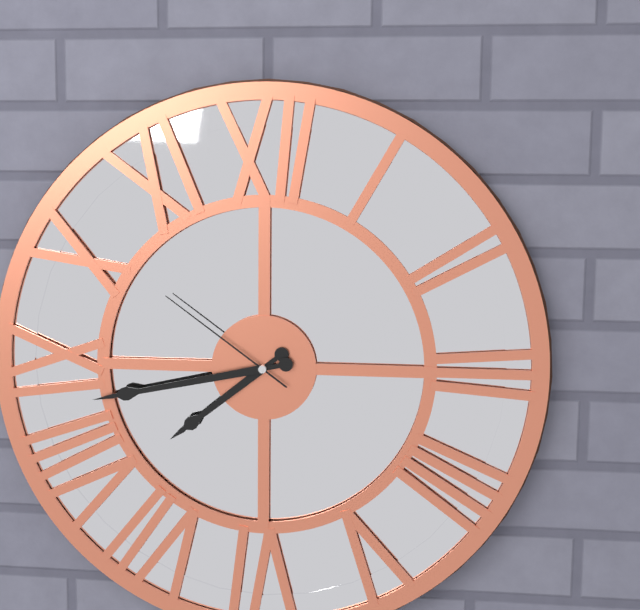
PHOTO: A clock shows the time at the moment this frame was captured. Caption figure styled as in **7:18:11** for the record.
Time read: **7:43:51**
